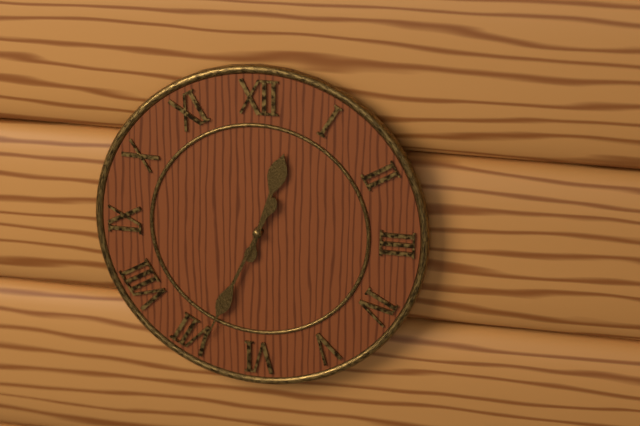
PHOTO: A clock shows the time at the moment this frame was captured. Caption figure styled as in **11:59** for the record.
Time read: **12:34**
